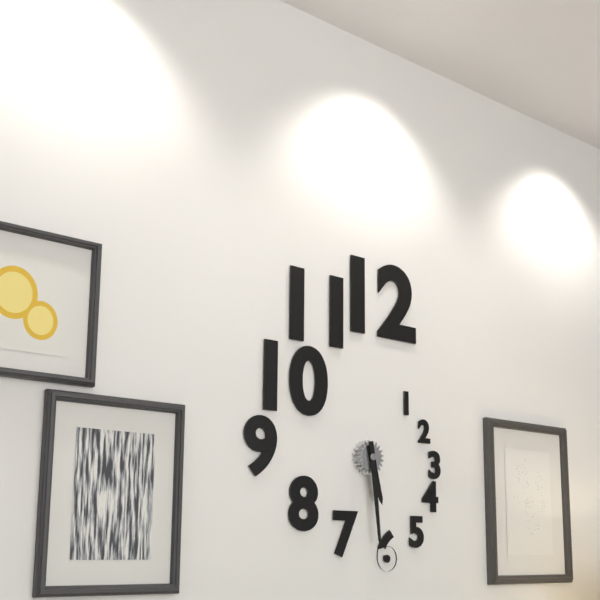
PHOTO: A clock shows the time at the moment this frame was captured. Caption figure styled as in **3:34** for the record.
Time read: **5:29**
